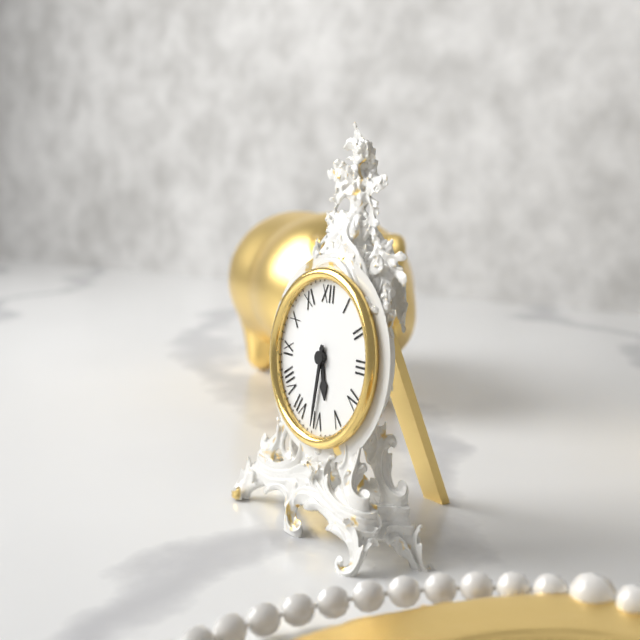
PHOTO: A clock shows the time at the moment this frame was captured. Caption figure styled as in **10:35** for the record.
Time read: **5:31**
